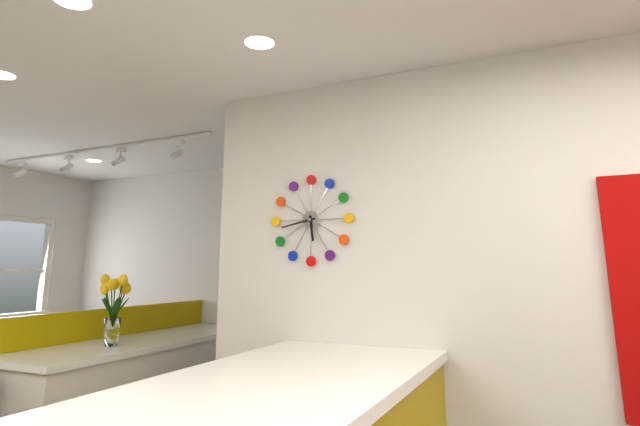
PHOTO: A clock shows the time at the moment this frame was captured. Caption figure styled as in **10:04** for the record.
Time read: **5:43**
